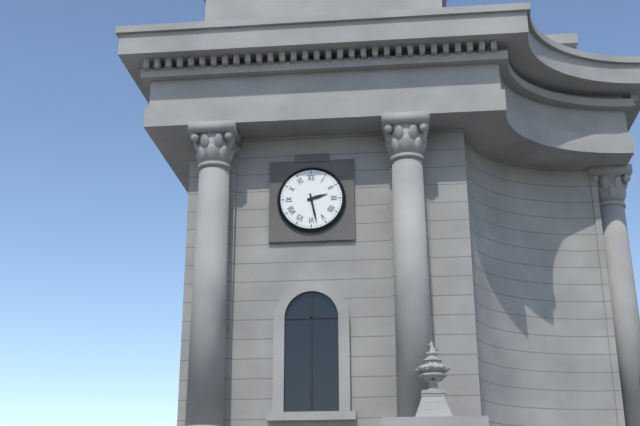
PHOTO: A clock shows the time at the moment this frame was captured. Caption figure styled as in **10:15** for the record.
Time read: **2:28**
